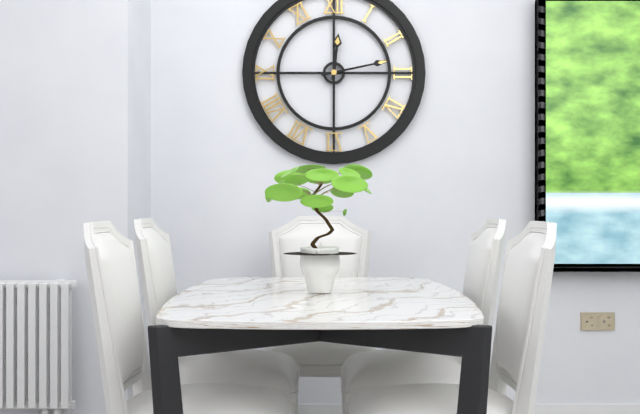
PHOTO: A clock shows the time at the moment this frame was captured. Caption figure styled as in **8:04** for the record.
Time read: **12:13**
